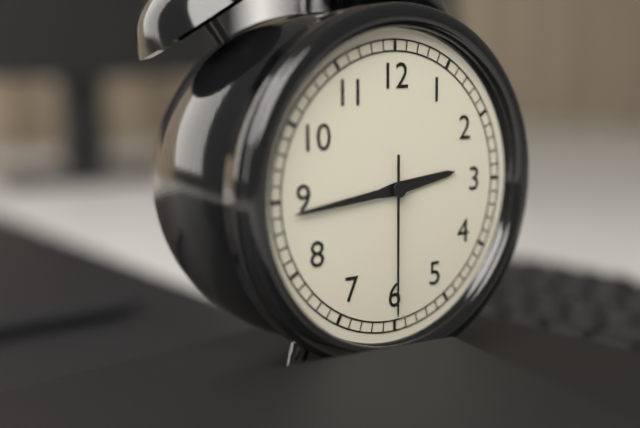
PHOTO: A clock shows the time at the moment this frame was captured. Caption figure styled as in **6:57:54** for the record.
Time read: **2:44:30**
